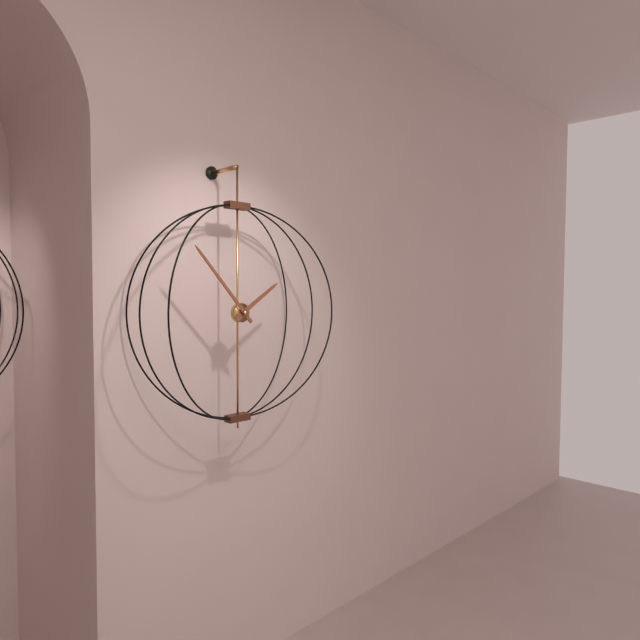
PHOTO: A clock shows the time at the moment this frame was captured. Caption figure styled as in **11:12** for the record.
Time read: **1:53**
